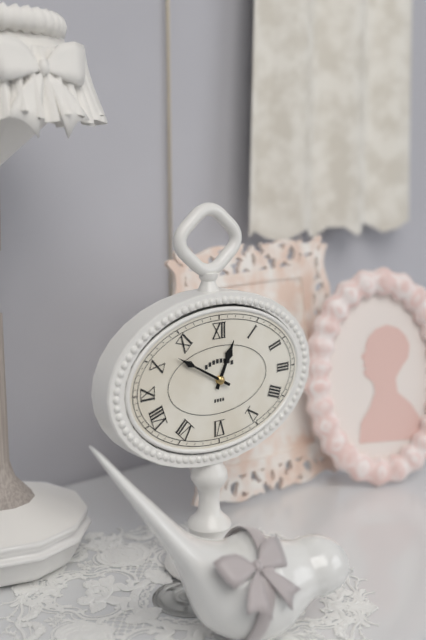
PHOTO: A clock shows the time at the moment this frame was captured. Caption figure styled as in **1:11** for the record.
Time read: **12:50**
